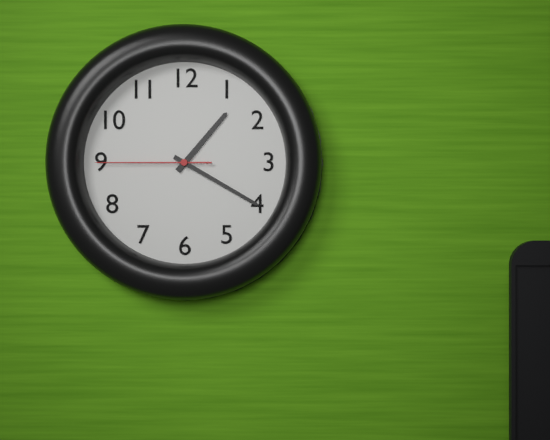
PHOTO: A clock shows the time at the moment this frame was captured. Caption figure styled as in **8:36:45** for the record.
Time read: **1:20:45**
